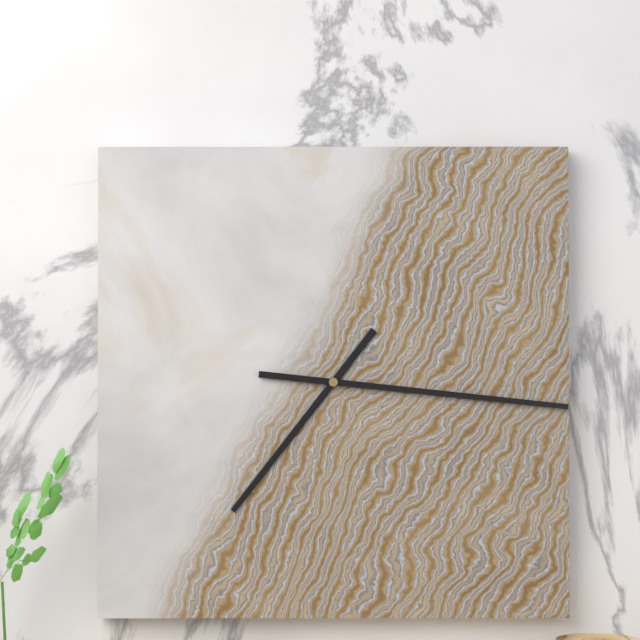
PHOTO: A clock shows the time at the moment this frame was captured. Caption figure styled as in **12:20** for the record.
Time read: **7:16**
